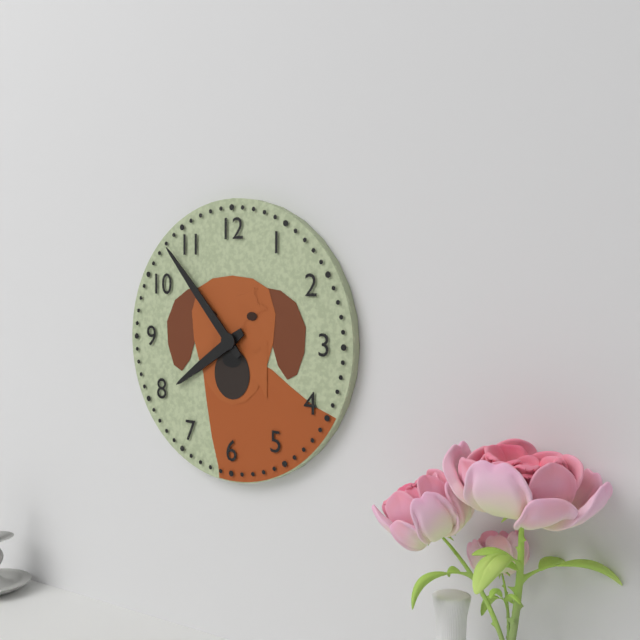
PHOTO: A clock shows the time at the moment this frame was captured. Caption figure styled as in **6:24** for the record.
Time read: **7:53**
